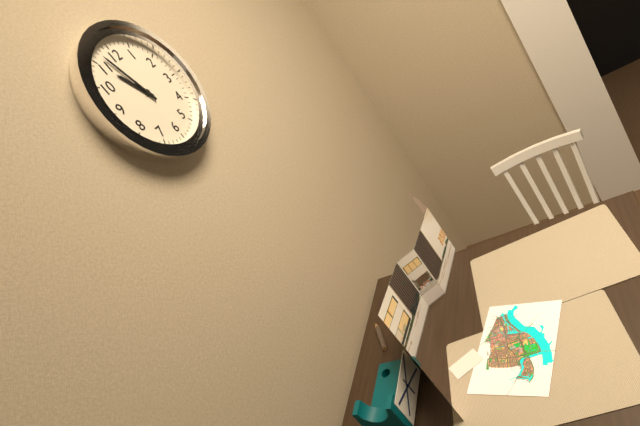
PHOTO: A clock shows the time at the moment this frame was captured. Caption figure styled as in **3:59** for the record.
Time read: **10:57**
